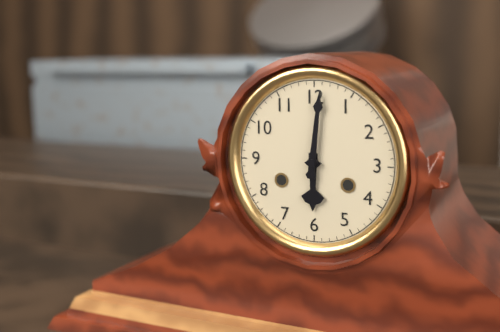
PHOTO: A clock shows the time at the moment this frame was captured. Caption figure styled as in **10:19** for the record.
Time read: **6:01**
